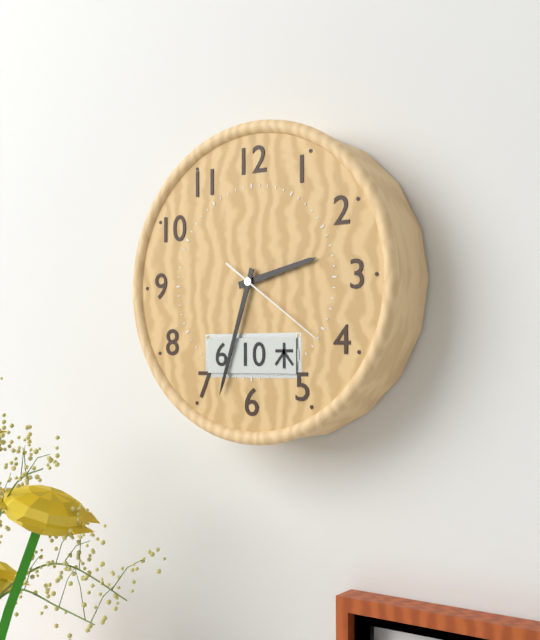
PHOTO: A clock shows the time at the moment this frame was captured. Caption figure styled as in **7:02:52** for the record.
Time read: **2:33:21**
